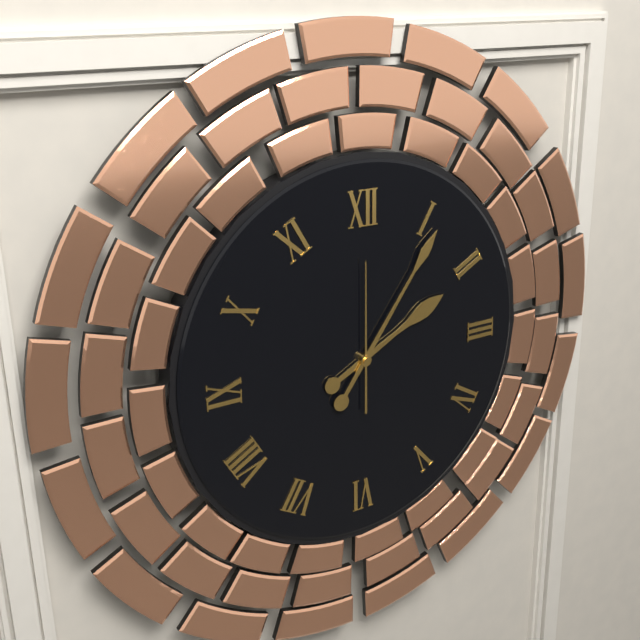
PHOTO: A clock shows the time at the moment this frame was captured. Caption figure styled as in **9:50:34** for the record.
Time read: **2:06:00**
